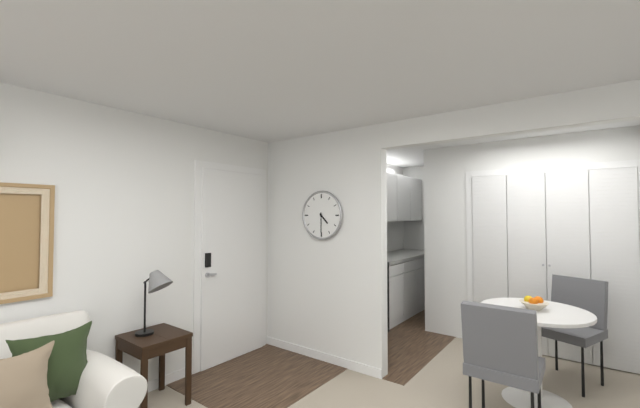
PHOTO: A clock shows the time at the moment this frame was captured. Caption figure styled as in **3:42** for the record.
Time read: **4:30**
